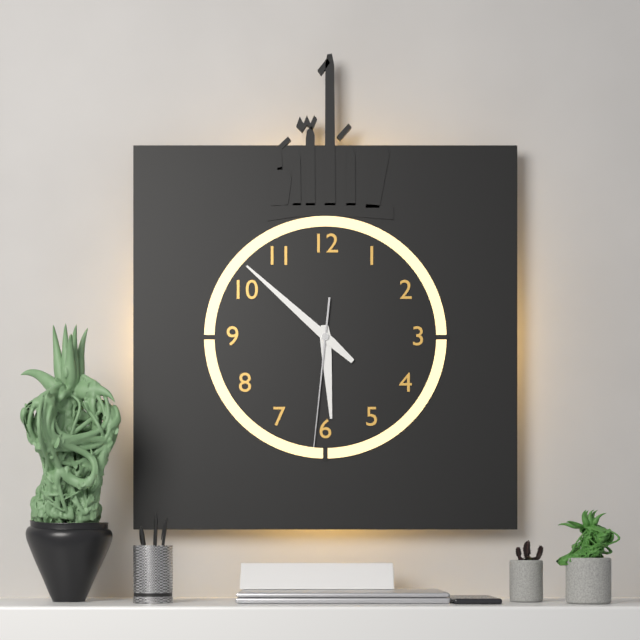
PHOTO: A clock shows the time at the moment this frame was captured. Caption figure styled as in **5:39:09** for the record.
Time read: **5:52:31**
